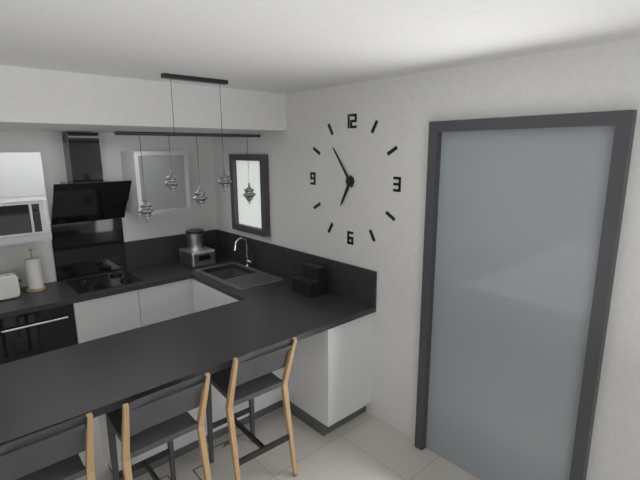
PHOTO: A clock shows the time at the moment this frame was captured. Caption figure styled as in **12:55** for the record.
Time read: **6:54**
